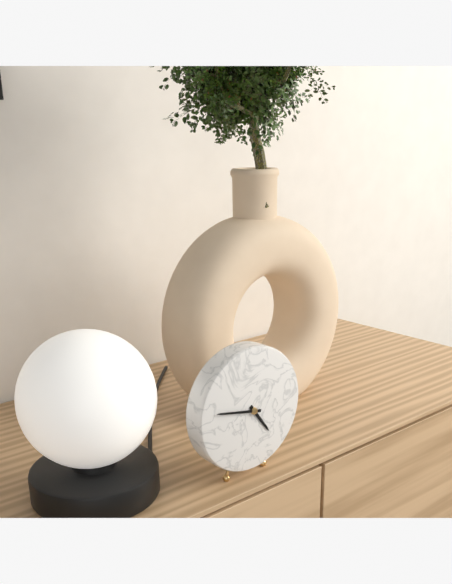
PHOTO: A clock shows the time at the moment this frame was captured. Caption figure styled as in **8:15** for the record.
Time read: **4:47**
